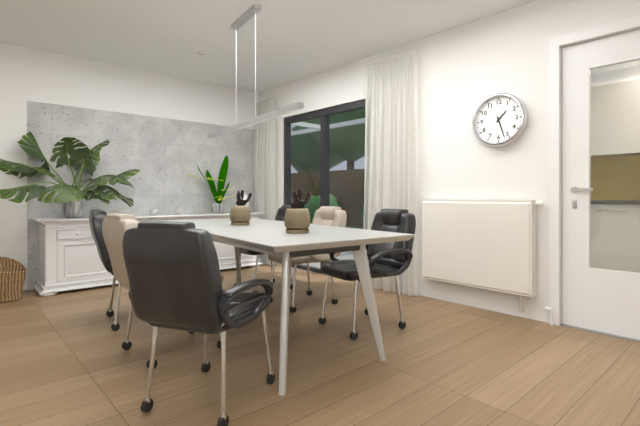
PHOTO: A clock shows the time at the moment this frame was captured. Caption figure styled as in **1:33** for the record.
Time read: **1:27**
